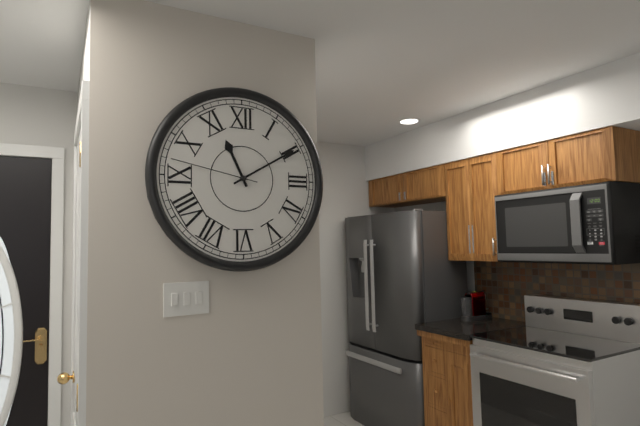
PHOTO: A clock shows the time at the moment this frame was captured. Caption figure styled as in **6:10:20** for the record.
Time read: **11:10:47**
